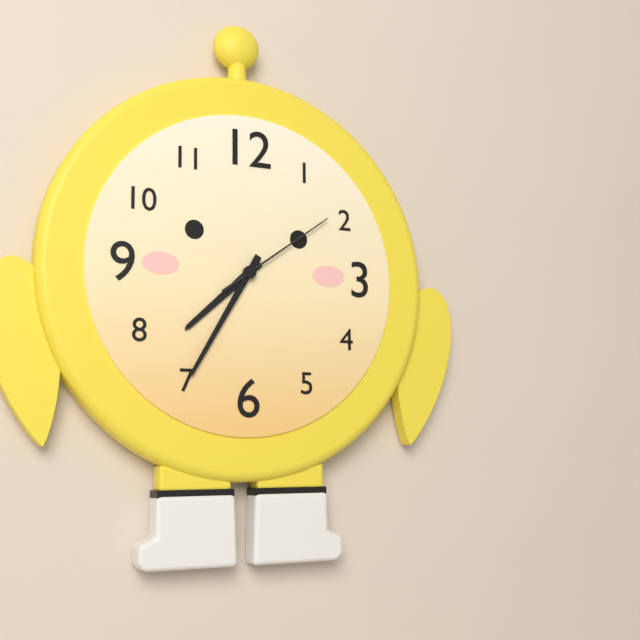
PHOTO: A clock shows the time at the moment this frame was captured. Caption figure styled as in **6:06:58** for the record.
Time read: **7:35:09**
